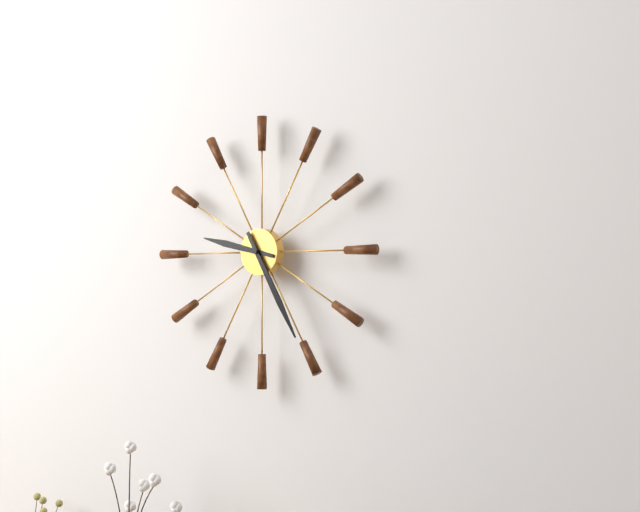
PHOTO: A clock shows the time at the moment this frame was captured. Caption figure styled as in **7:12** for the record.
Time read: **9:25**
